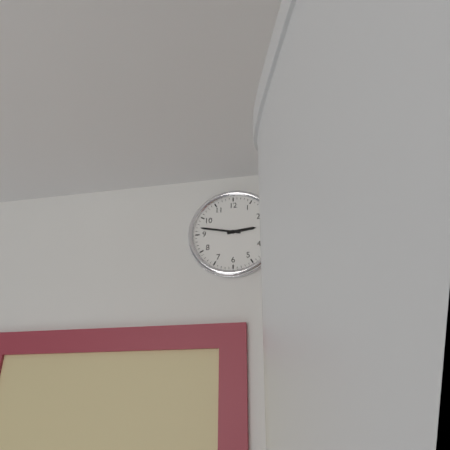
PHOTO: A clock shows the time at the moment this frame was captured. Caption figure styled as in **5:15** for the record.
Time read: **2:47**
